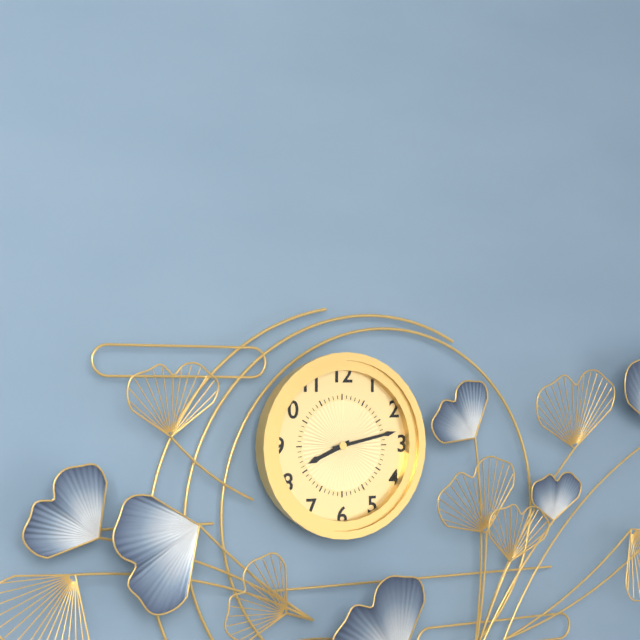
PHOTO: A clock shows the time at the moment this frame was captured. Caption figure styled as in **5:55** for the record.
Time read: **8:13**
